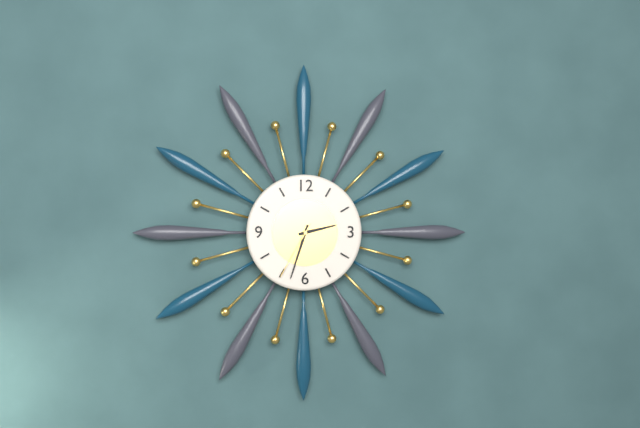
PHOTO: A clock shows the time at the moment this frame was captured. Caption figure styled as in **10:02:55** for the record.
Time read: **2:33:35**
